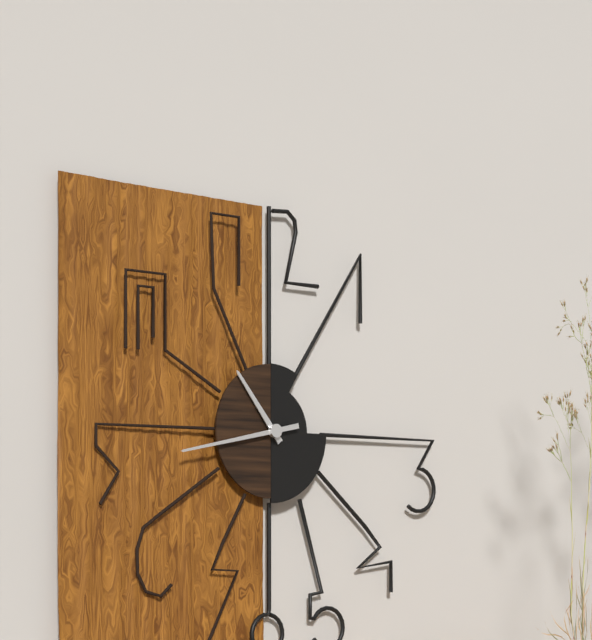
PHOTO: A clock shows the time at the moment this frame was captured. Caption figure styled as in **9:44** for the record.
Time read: **10:43**
